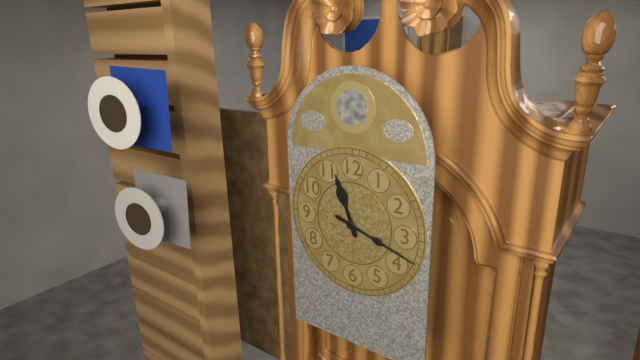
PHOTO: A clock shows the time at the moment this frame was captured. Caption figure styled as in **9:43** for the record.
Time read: **11:18**
